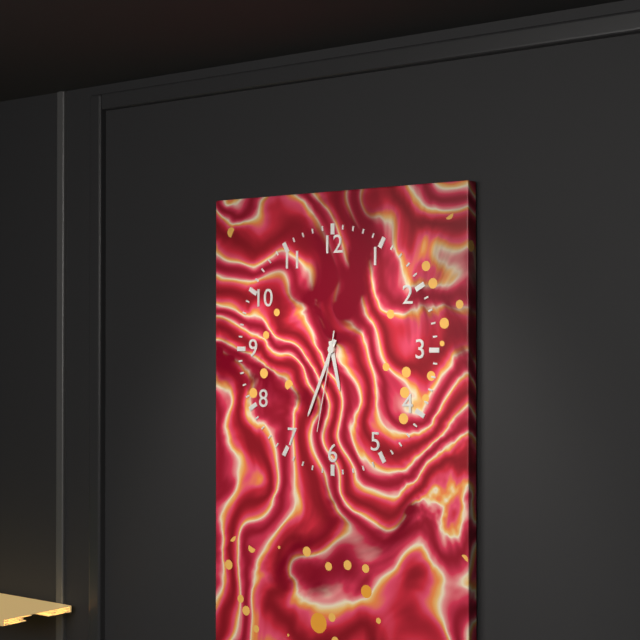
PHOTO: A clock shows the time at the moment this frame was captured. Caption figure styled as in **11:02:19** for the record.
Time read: **5:34:32**
